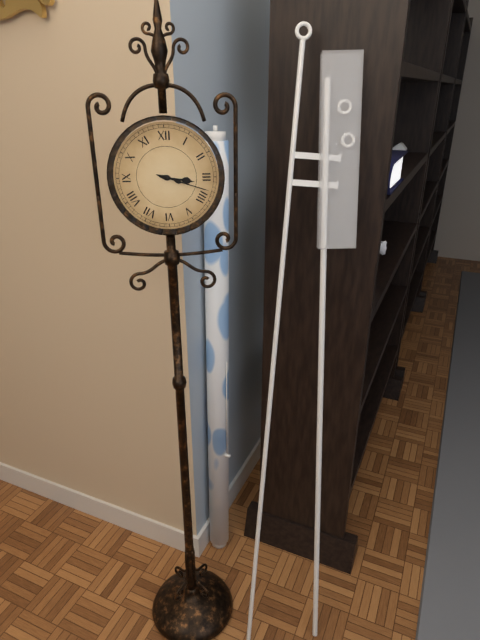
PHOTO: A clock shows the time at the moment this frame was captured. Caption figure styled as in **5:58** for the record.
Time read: **3:18**
